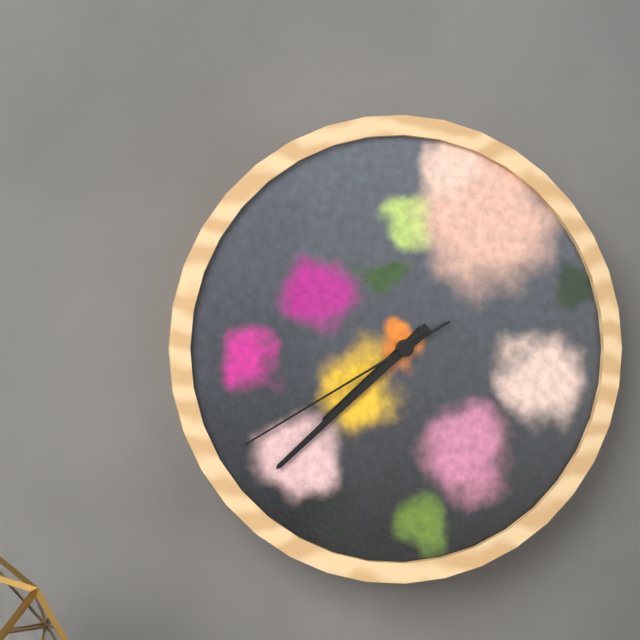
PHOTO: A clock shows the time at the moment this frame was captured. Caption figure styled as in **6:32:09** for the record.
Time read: **7:38:40**
